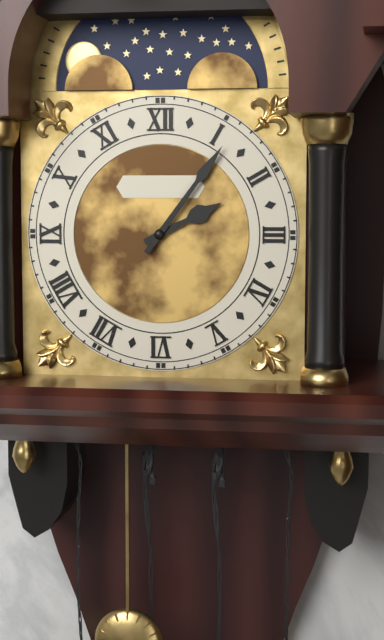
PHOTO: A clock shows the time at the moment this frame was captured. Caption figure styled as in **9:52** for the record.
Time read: **2:06**
